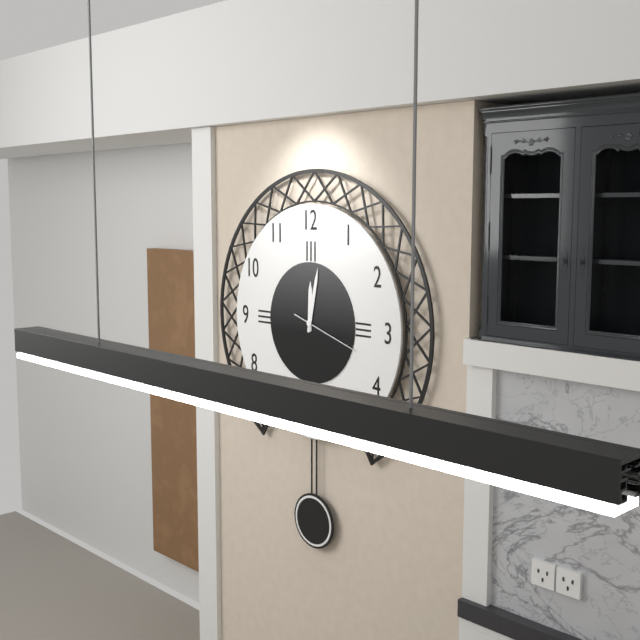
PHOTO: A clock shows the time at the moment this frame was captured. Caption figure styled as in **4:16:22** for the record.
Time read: **12:02:18**
